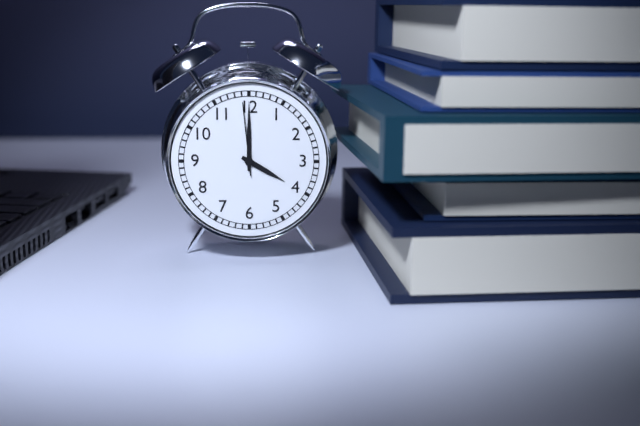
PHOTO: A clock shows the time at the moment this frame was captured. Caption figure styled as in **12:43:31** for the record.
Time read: **4:00:59**
